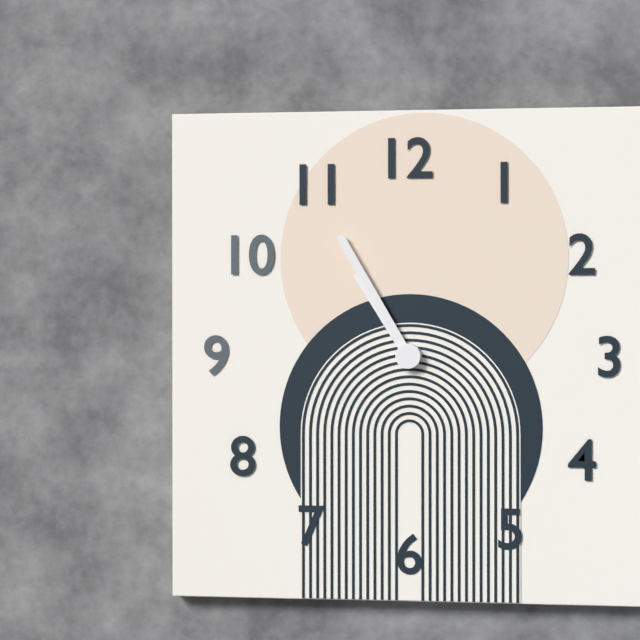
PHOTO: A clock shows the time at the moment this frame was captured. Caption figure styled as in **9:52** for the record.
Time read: **10:55**
